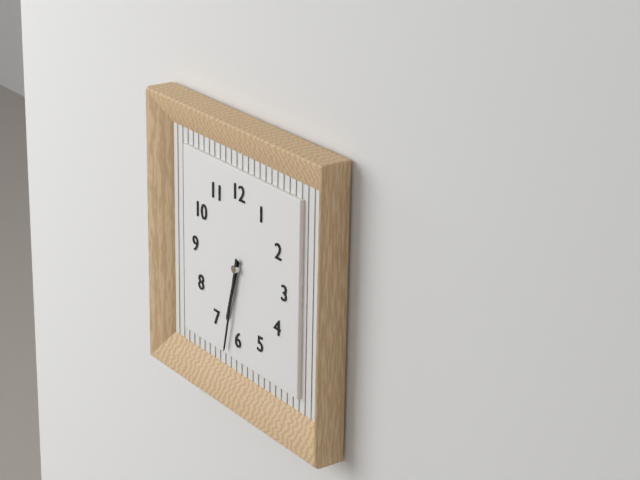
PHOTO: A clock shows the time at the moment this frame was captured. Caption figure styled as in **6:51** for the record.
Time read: **6:32**
